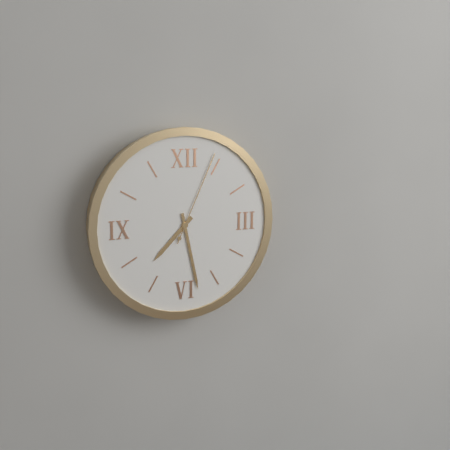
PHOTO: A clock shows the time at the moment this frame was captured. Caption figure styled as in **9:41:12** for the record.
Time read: **7:28:04**
